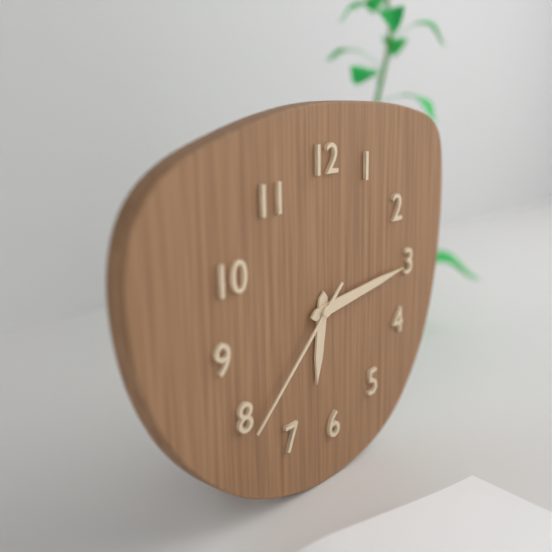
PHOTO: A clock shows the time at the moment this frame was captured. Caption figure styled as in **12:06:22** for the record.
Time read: **6:14:38**
